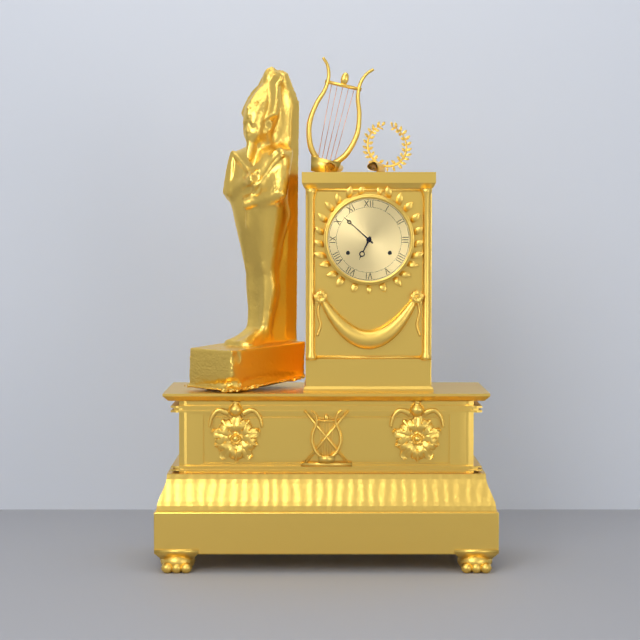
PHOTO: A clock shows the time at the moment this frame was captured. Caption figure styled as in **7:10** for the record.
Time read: **6:52**
